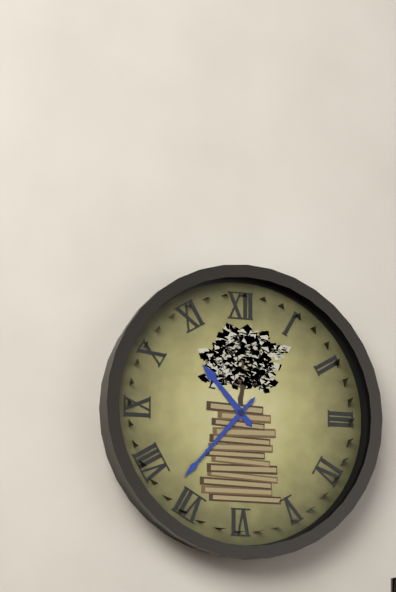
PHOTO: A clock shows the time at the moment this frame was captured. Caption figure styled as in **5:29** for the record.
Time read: **10:37**
